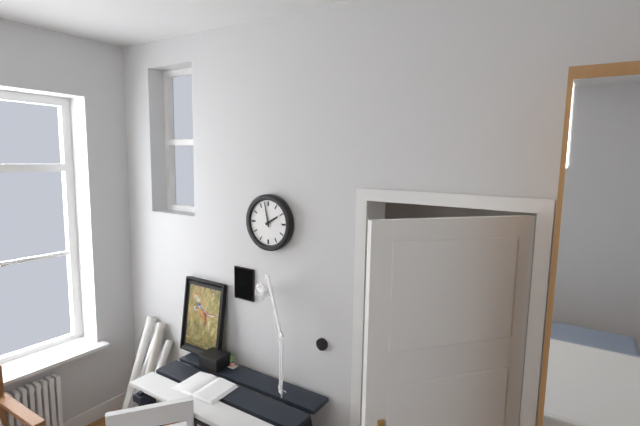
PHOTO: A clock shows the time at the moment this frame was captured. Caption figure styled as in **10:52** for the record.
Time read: **1:58**
